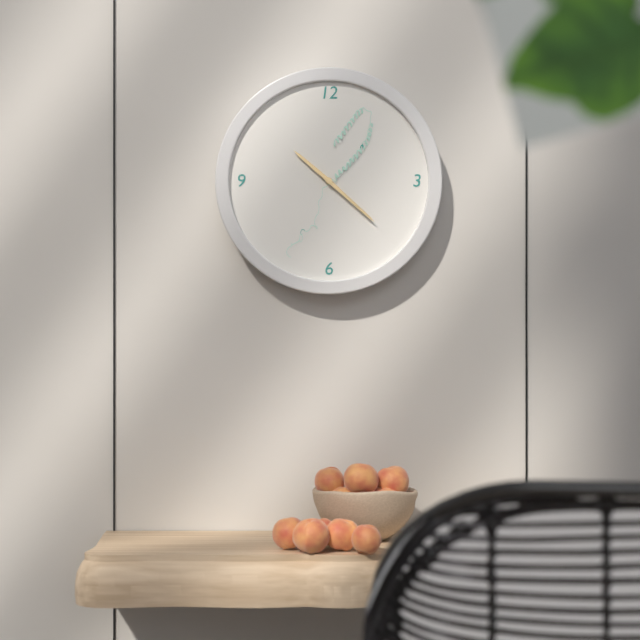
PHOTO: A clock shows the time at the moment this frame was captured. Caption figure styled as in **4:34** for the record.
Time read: **10:22**
